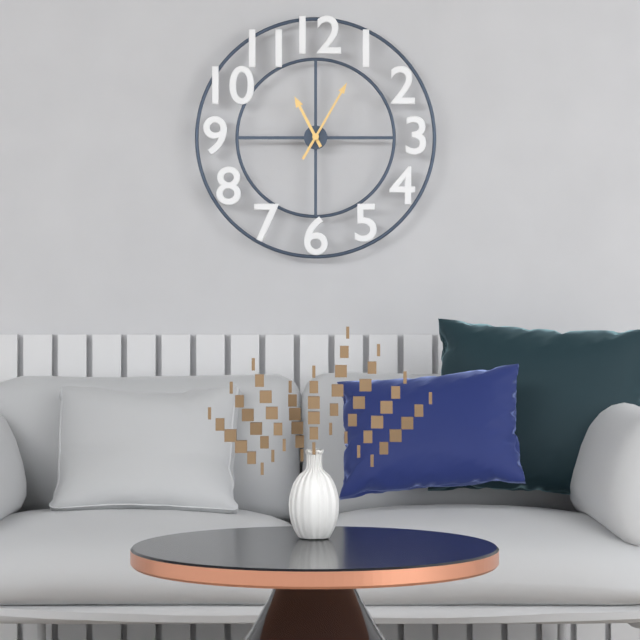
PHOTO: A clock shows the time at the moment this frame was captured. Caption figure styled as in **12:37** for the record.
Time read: **11:05**
